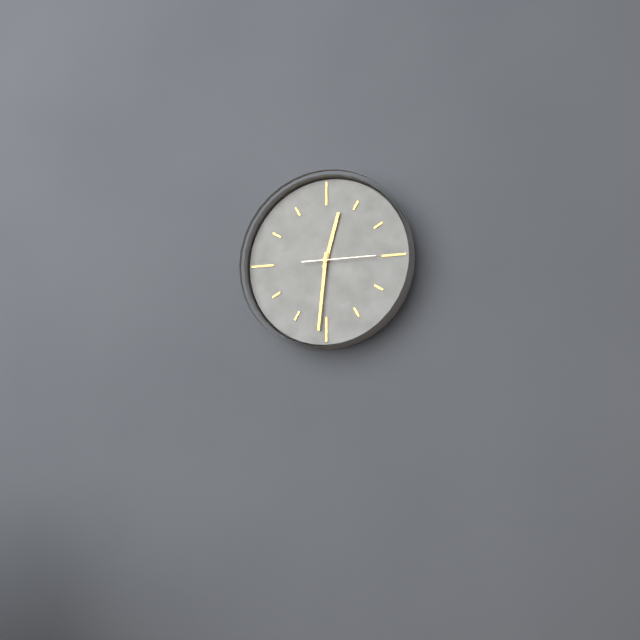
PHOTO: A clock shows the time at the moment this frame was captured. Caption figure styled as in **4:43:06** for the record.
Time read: **12:31:15**
